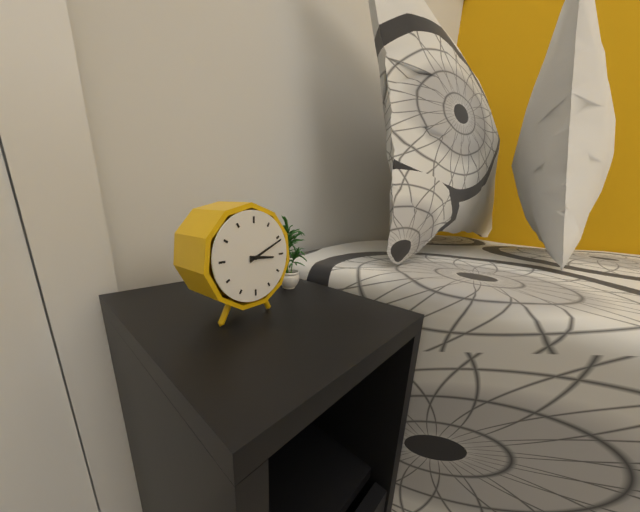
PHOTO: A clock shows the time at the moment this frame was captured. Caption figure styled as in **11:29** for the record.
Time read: **3:11**
